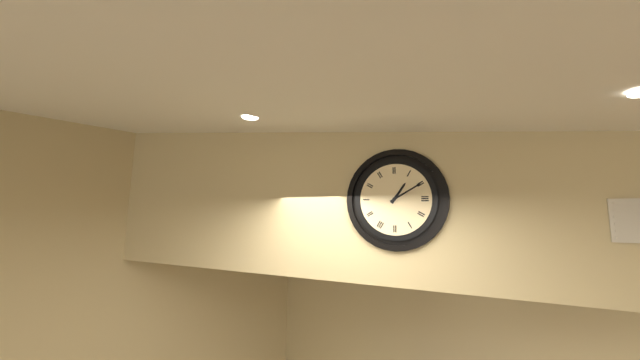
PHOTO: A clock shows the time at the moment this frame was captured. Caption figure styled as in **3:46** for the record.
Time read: **1:10**
